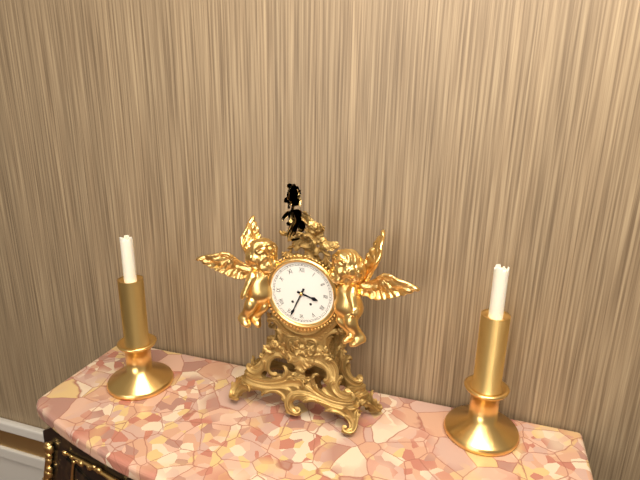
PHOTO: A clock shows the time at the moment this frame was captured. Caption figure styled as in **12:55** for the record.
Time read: **3:34**
